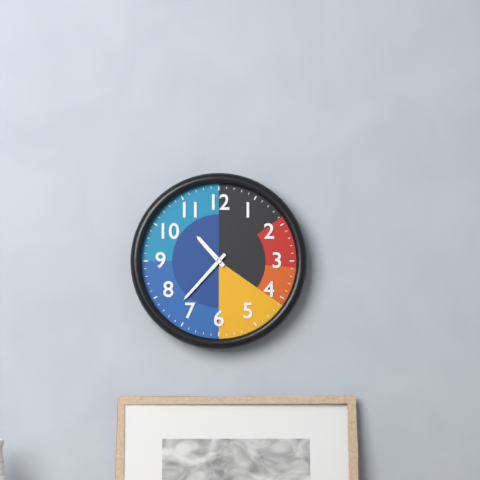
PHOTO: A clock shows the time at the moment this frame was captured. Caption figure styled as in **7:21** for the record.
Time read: **10:37**
